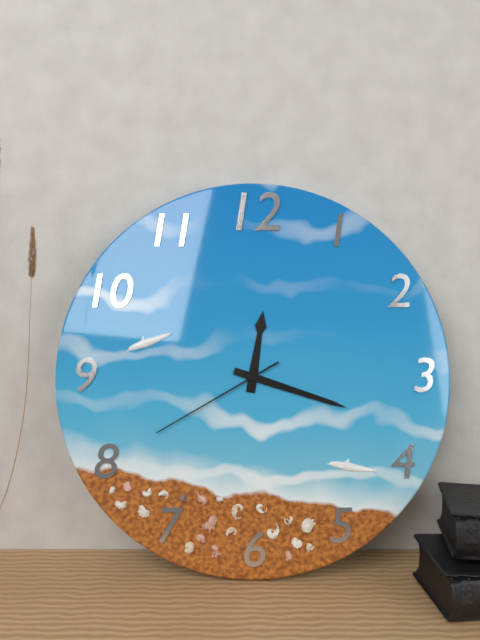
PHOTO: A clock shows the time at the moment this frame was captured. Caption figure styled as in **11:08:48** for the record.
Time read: **12:18:40**
